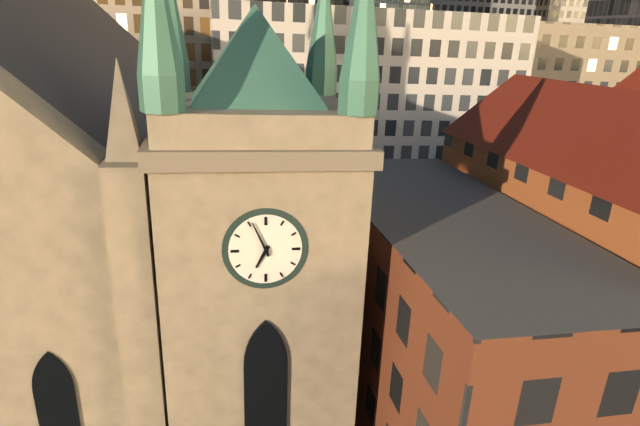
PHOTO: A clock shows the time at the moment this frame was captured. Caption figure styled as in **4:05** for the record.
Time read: **6:56**
